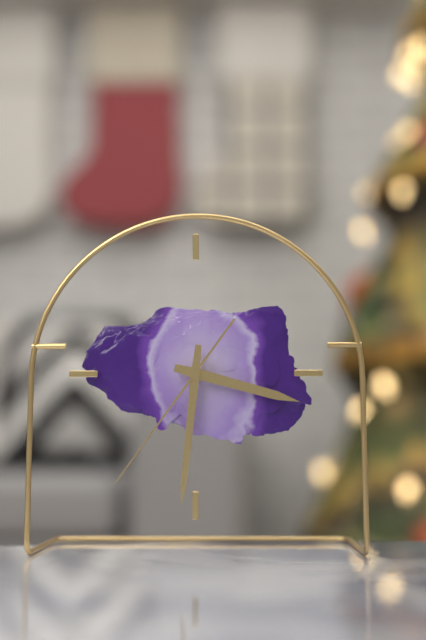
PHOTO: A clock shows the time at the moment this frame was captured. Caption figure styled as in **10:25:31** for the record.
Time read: **3:31:36**
